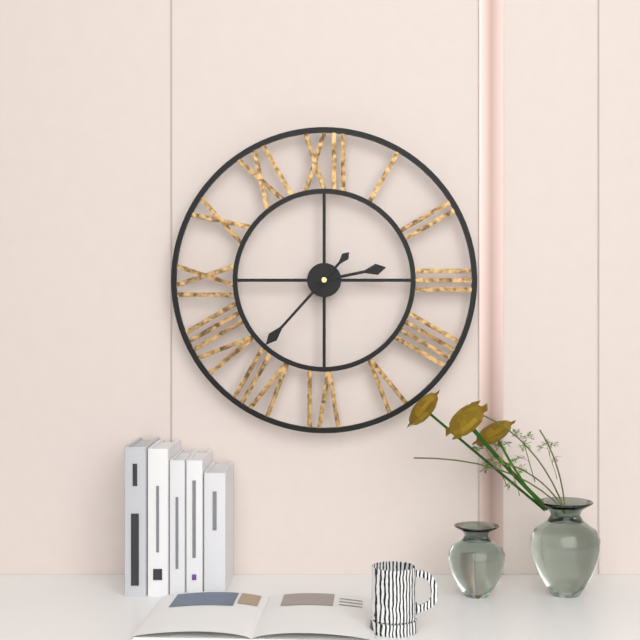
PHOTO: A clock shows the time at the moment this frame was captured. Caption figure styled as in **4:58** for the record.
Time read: **2:37**
